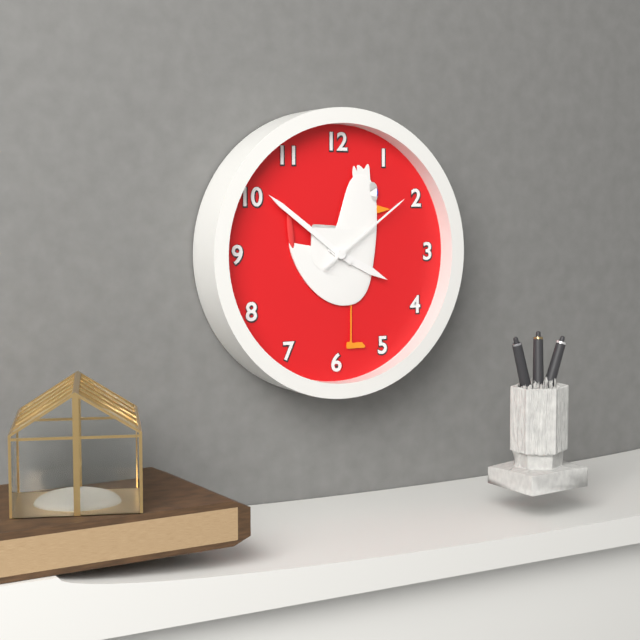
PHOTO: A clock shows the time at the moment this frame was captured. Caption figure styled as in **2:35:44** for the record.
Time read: **3:51:09**
